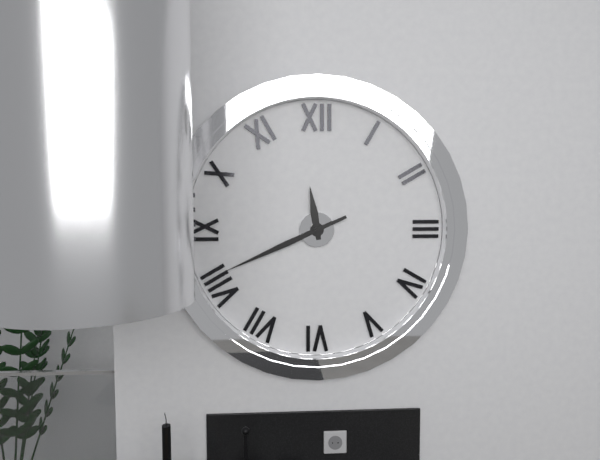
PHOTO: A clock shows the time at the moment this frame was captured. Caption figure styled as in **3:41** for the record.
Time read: **11:41**
